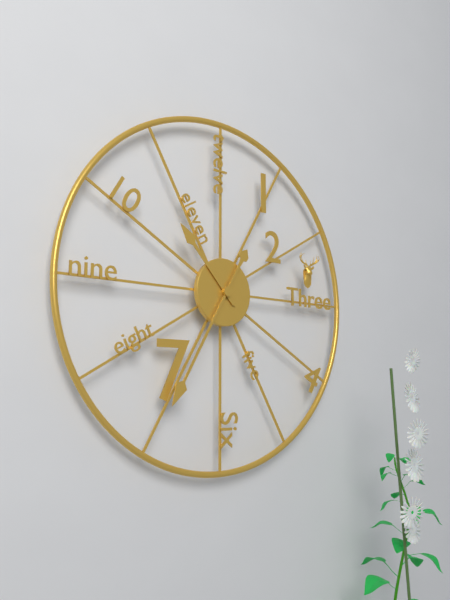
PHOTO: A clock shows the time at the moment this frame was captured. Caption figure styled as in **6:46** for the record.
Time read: **10:35**
